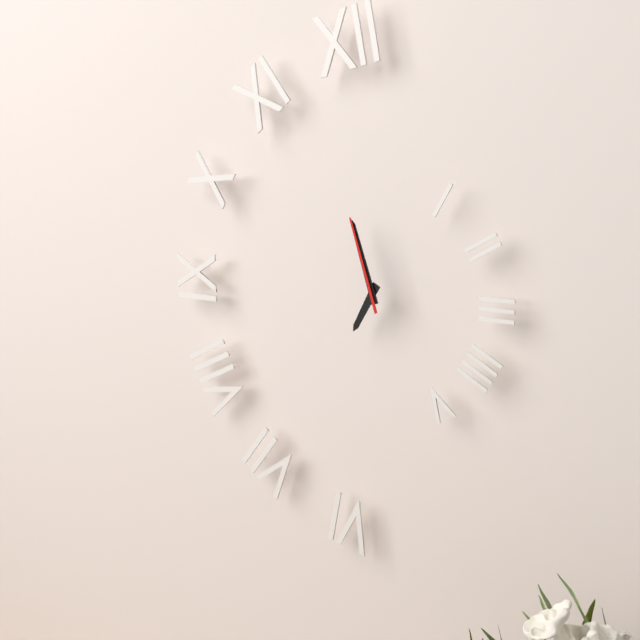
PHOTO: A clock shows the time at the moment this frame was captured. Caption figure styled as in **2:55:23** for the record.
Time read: **6:57:57**
